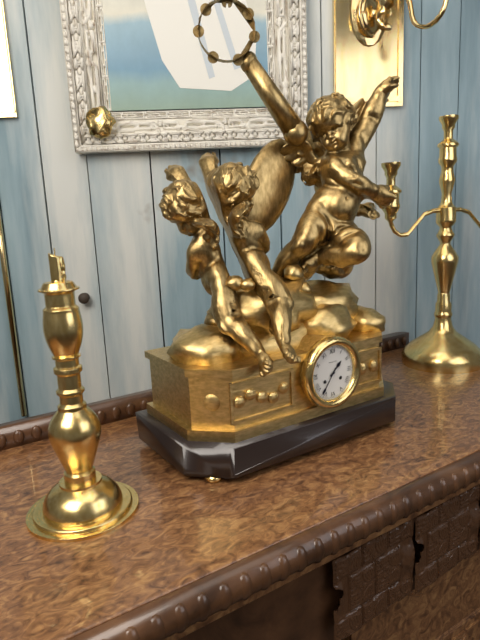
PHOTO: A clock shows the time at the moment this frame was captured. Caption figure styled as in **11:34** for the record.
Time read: **1:36**
